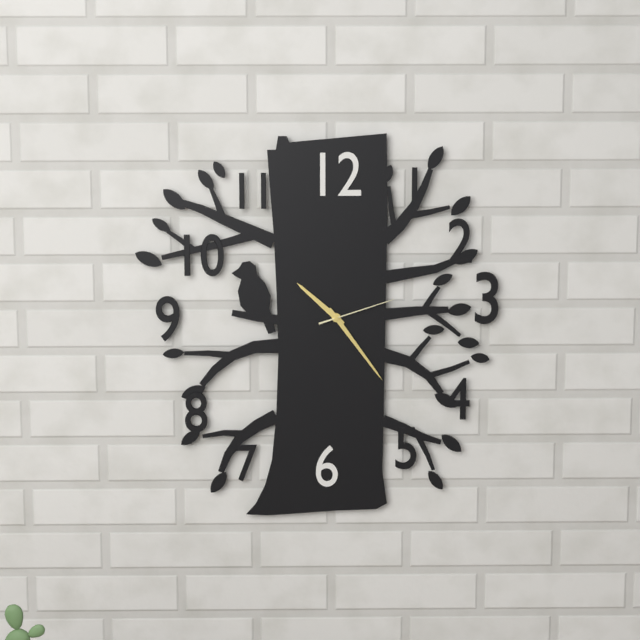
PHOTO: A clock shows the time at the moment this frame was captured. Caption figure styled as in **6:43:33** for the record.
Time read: **10:24:12**
